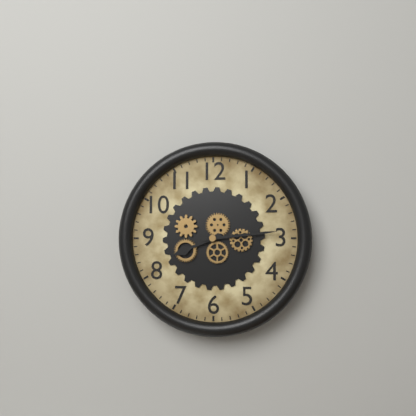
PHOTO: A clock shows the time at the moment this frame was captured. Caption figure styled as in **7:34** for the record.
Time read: **8:14**
